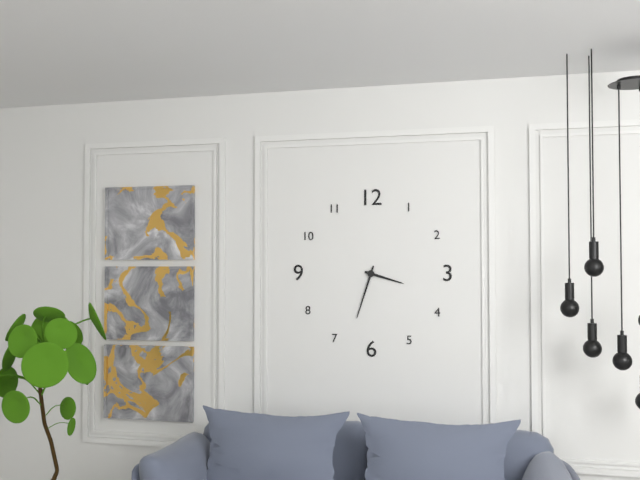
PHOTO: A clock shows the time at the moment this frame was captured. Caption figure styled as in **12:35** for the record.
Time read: **3:33**
